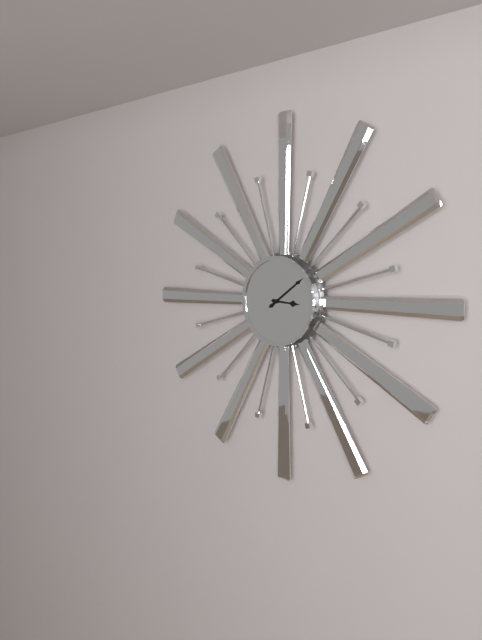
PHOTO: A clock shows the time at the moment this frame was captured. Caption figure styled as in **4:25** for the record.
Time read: **3:09**
